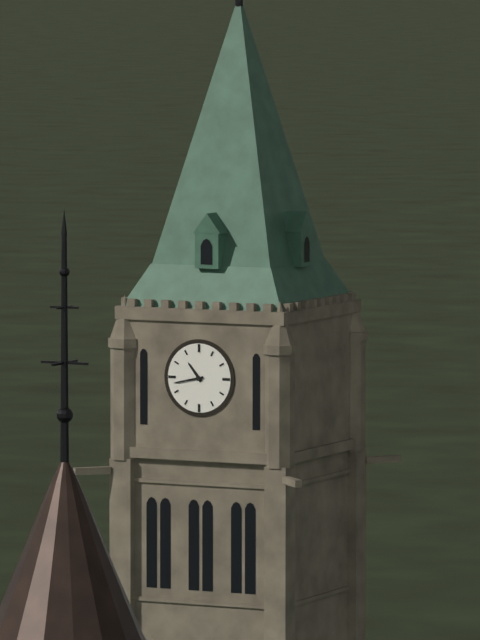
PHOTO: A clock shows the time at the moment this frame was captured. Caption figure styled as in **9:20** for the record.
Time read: **10:43**
